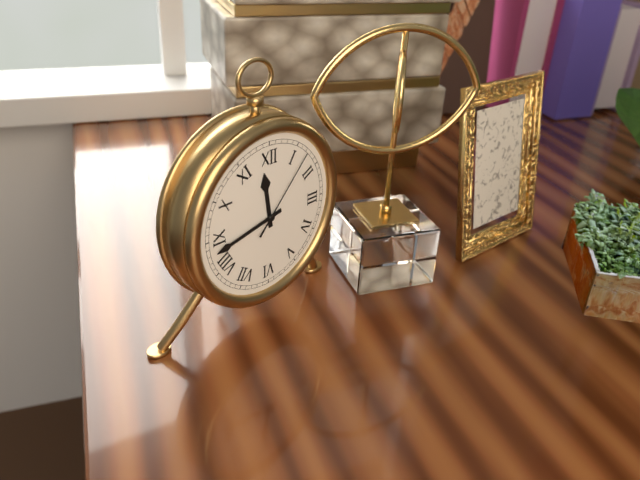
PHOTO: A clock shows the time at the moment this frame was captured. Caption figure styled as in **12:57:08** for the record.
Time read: **11:43:07**
